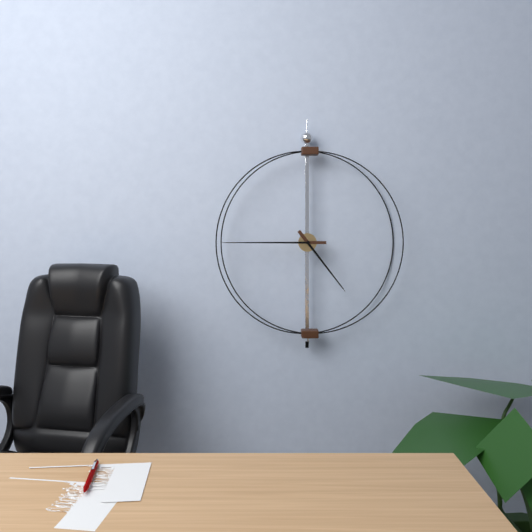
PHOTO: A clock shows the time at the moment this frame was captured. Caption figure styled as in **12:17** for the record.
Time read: **4:45**
